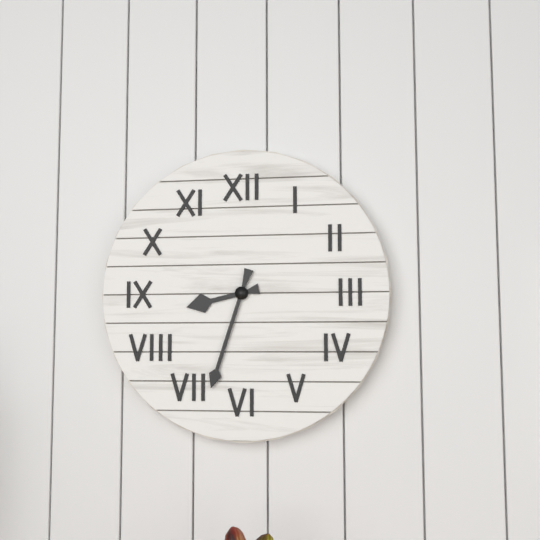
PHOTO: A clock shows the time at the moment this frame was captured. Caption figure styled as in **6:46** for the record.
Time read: **8:33**
